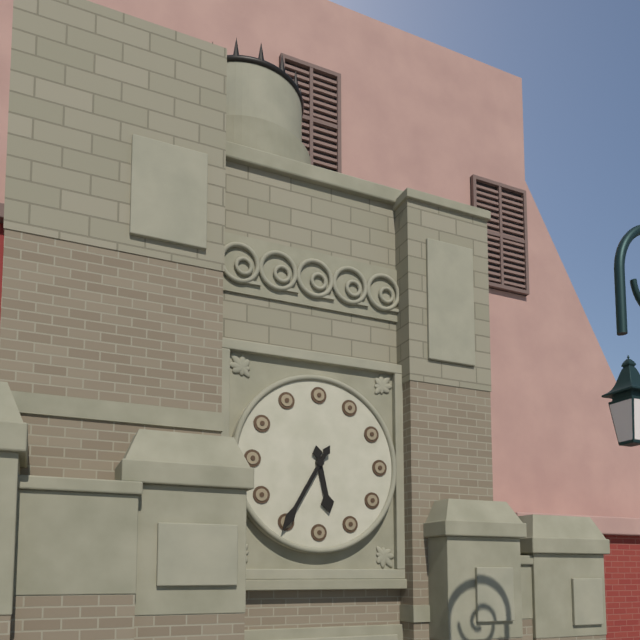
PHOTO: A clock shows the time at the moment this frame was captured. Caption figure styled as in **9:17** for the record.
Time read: **5:35**
